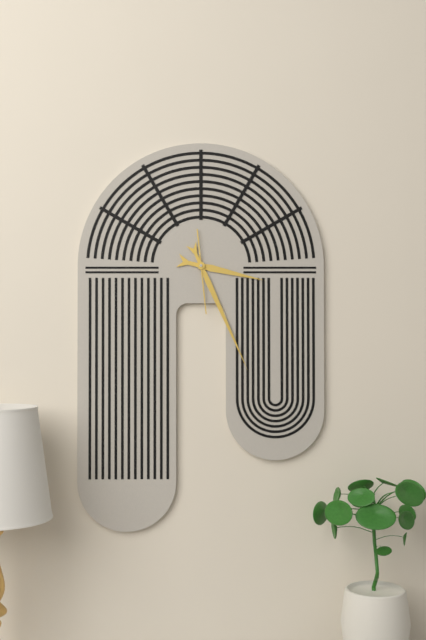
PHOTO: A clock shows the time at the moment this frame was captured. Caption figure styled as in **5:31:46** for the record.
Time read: **3:26:29**
